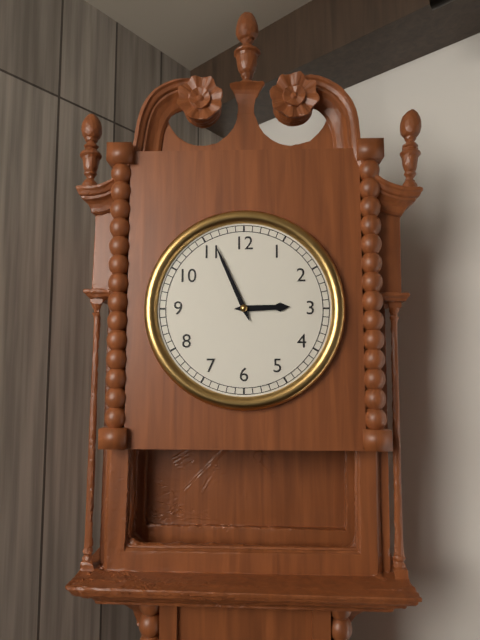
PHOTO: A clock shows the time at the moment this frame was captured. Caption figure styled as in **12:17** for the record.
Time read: **2:56**
